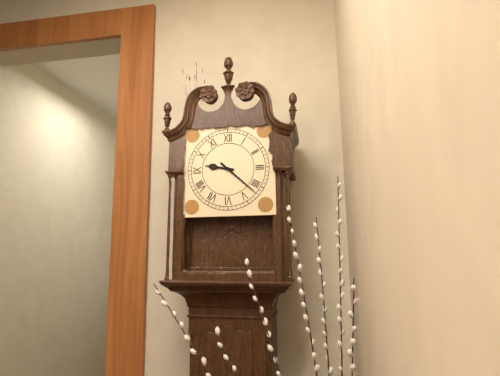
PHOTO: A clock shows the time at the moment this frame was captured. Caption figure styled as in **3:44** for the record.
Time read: **9:22**
